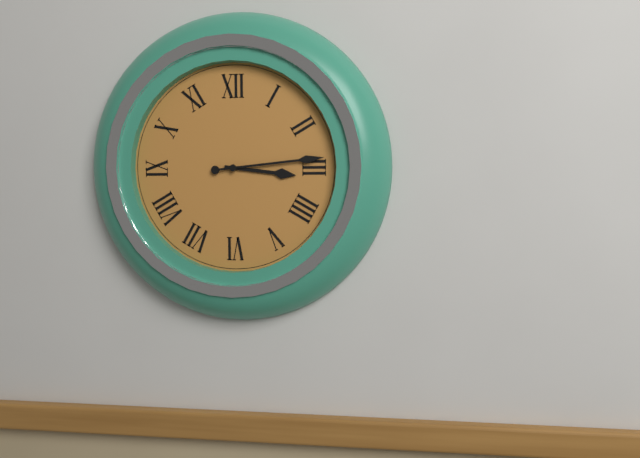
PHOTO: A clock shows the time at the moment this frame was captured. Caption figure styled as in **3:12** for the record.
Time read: **3:14**
